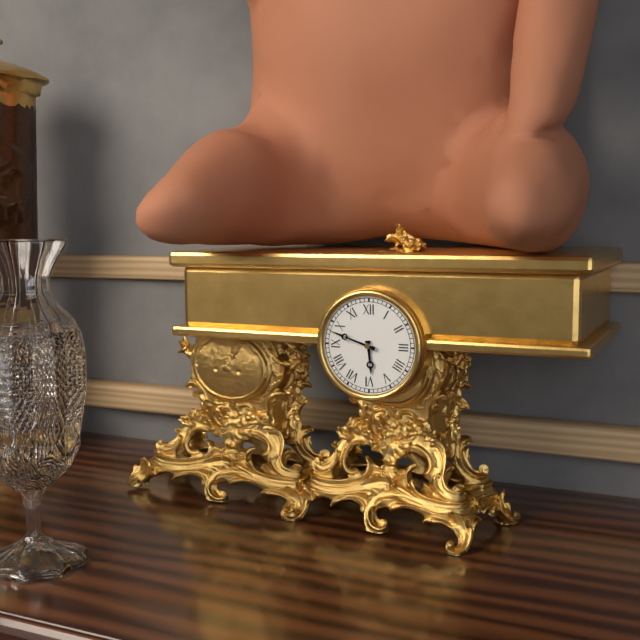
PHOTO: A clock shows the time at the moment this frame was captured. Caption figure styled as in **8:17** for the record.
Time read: **5:48**
